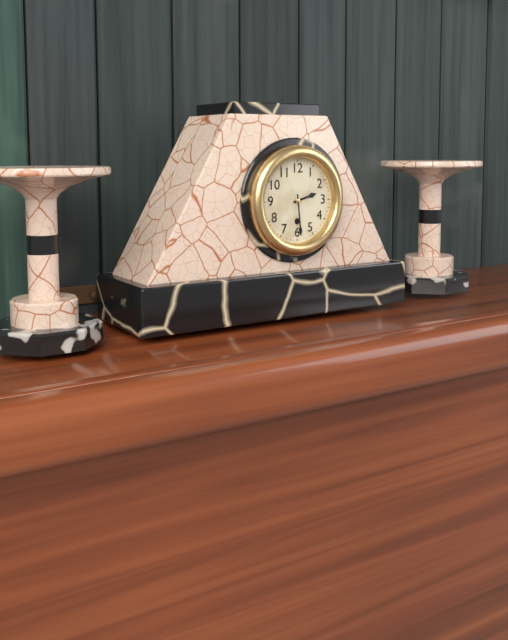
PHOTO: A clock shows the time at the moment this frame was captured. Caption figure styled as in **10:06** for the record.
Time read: **2:29**
